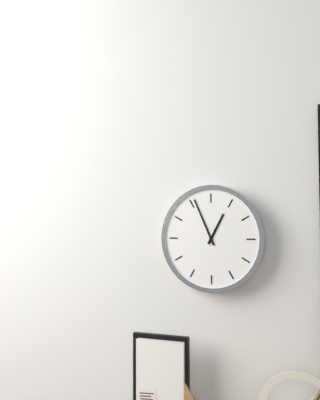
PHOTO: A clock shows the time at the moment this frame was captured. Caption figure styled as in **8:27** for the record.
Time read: **12:56**
